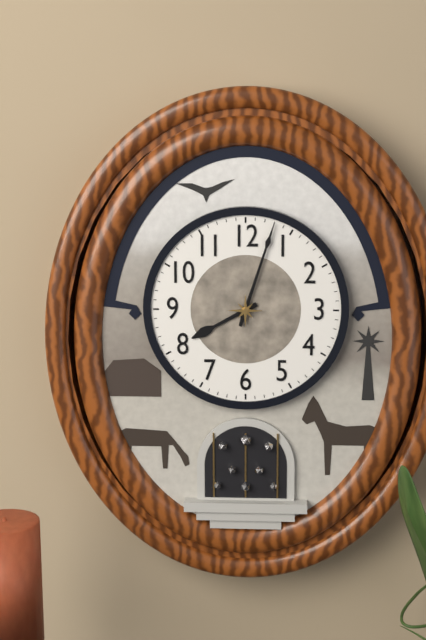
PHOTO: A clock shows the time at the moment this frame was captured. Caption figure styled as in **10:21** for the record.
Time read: **8:03**
